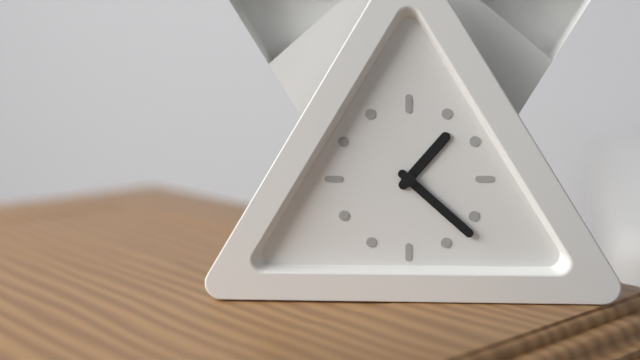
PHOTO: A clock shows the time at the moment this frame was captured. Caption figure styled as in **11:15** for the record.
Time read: **1:22**
